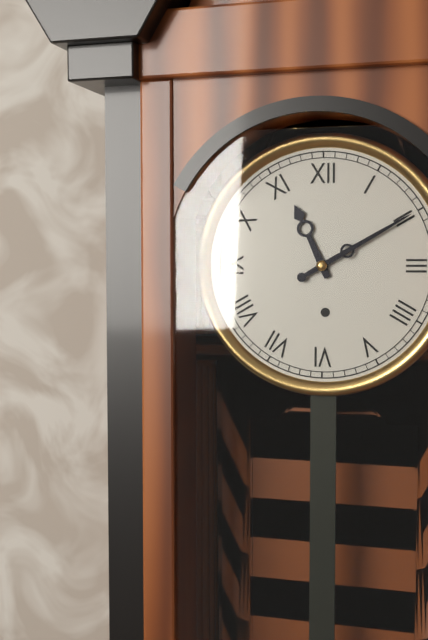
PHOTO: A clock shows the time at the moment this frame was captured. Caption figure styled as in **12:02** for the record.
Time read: **11:10**
